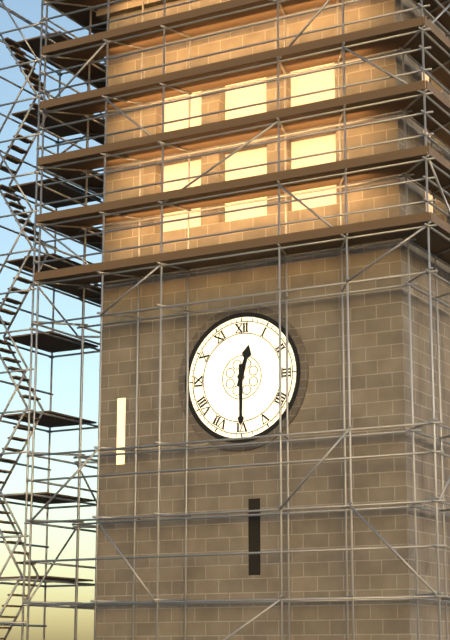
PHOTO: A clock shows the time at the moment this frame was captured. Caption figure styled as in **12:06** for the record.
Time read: **12:30**
